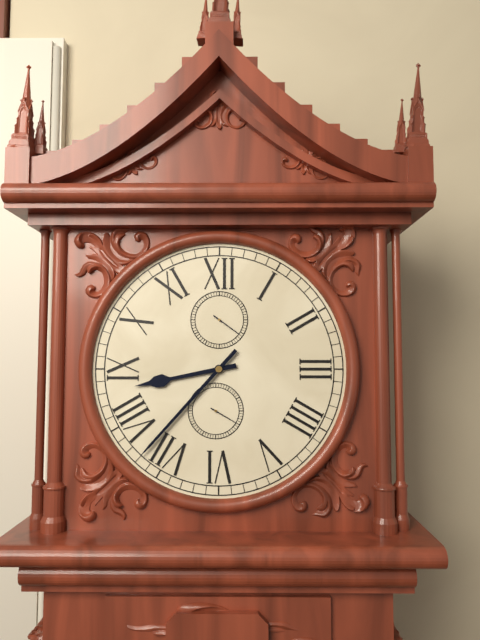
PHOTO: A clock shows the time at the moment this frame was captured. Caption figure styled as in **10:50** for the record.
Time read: **8:37**
